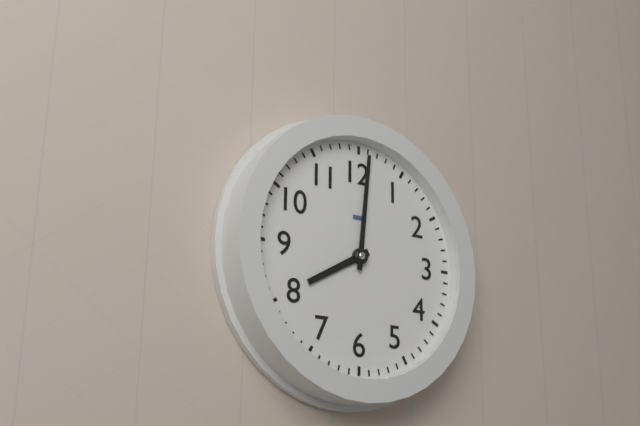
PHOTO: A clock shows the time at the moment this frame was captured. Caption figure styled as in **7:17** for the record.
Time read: **8:01**
